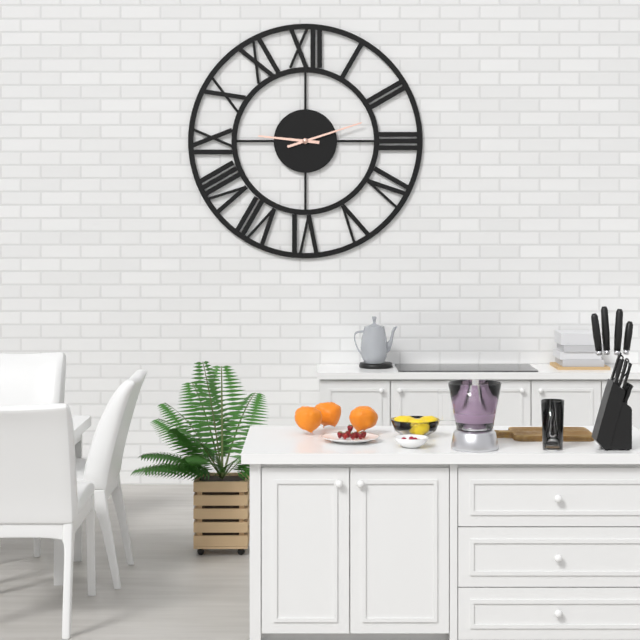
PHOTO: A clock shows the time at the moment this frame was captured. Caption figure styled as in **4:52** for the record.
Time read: **9:12**
